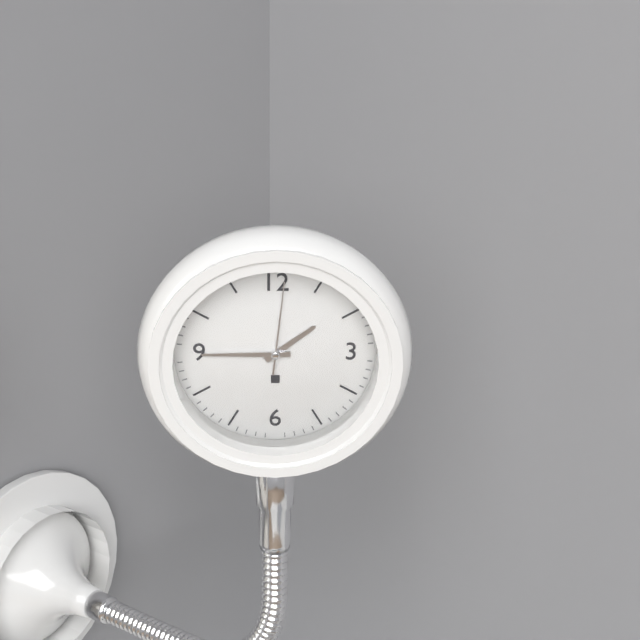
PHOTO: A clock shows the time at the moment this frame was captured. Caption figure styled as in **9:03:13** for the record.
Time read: **1:45:01**
